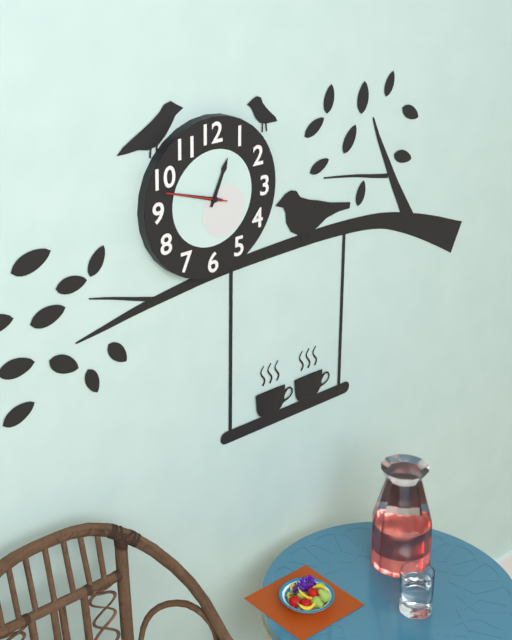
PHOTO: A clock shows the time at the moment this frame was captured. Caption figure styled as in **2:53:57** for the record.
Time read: **12:48:48**
